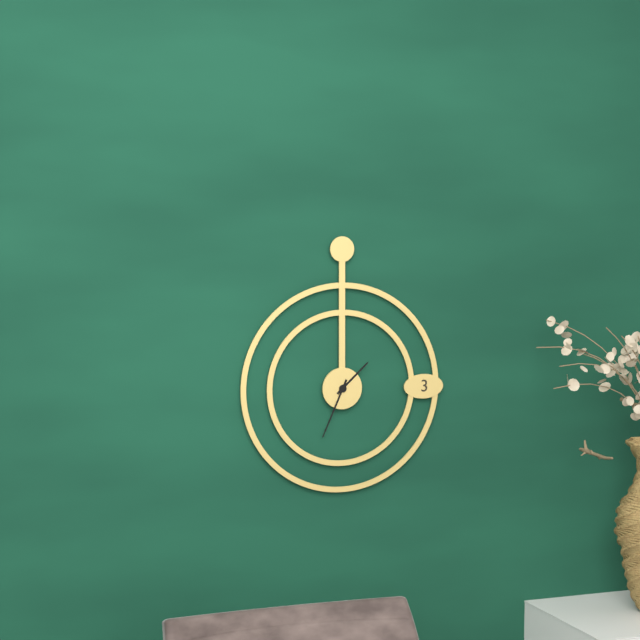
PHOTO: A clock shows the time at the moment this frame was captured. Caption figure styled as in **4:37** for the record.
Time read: **1:34**
